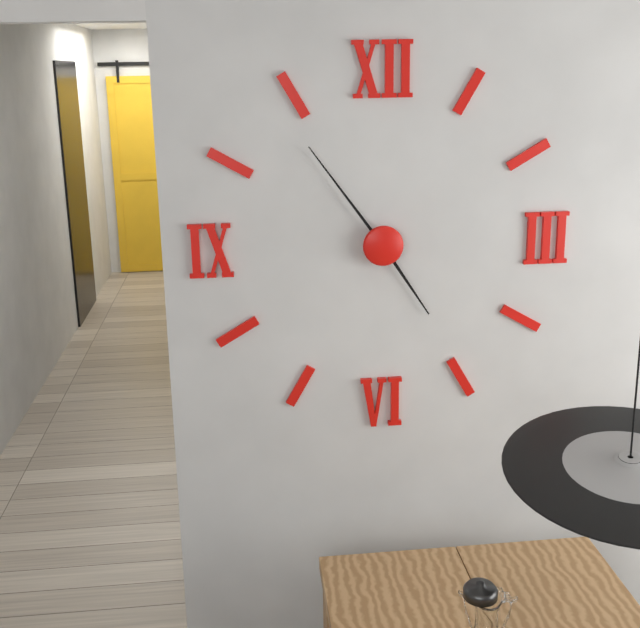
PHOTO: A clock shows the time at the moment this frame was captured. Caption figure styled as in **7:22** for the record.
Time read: **4:54**
